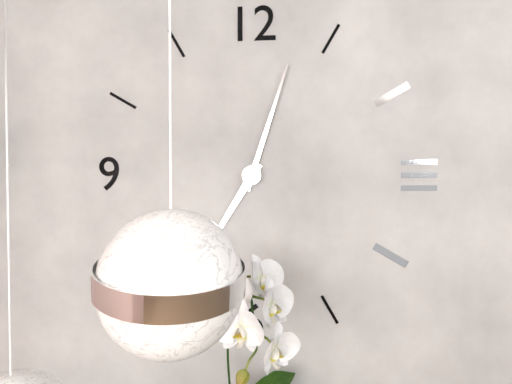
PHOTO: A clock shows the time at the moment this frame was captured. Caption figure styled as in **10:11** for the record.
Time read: **7:03**
